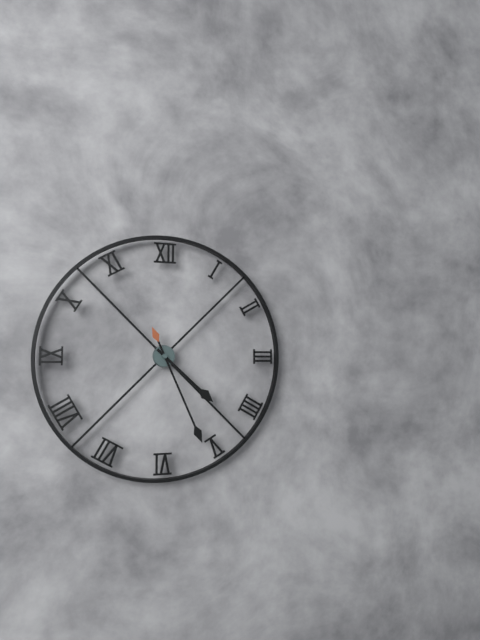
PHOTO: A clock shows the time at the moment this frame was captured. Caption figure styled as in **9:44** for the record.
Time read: **4:26**
